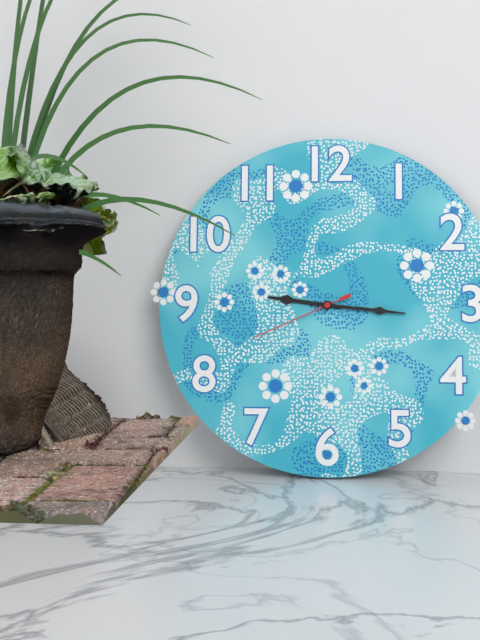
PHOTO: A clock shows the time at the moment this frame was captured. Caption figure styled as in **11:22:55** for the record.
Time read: **9:16:41**
